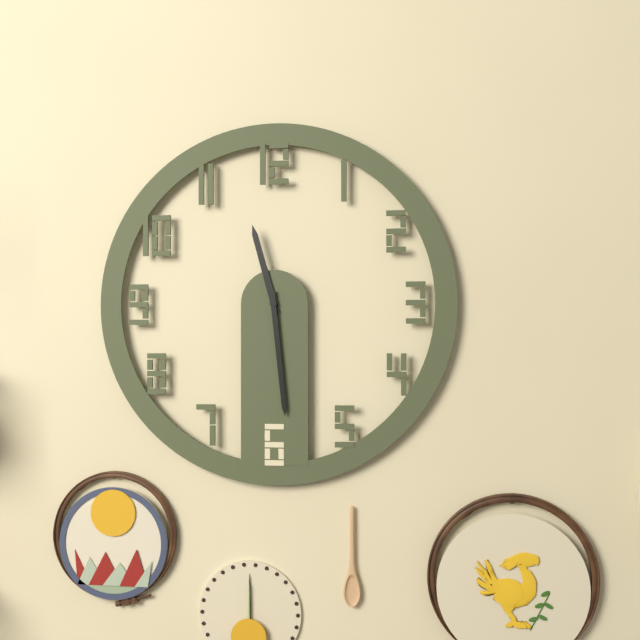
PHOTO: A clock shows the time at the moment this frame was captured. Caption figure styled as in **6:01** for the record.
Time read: **11:29**
